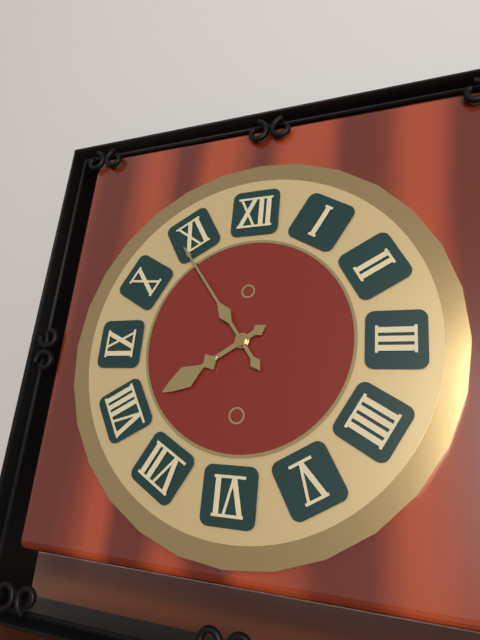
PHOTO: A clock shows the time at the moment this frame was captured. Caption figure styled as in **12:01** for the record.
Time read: **7:54**
